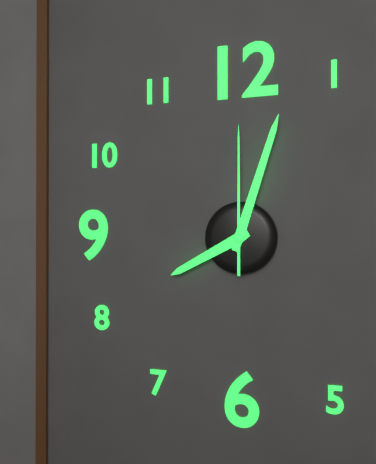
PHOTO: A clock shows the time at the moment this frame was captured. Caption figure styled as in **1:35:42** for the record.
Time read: **8:03:00**
